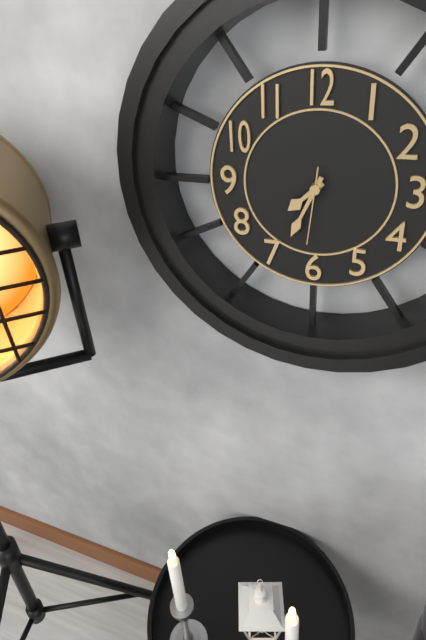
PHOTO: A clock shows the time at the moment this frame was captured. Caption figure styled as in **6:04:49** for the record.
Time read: **7:34:31**
